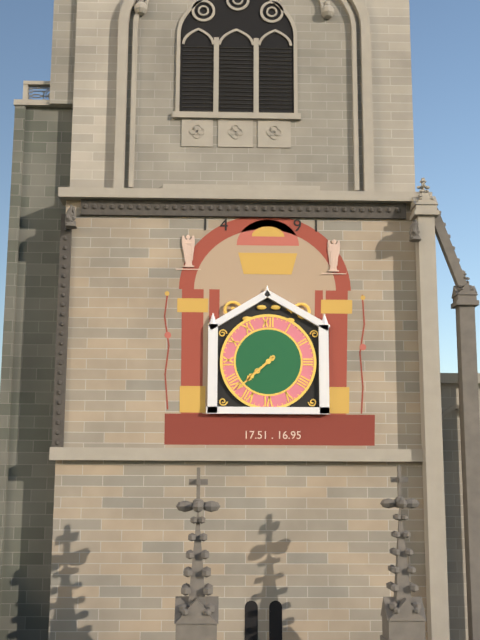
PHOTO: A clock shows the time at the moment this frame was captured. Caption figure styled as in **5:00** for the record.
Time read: **7:38**
